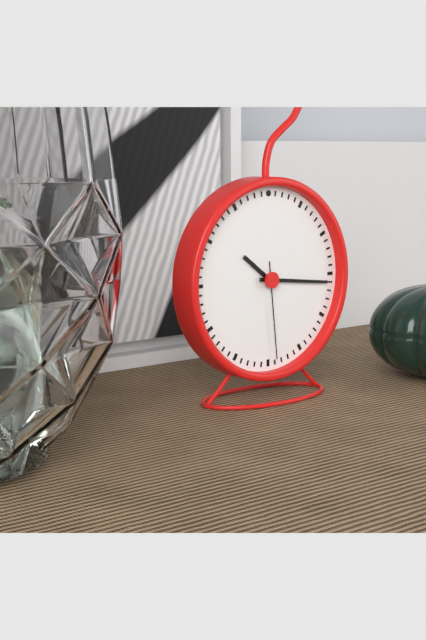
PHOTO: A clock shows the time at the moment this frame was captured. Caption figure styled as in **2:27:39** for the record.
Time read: **10:16:29**
